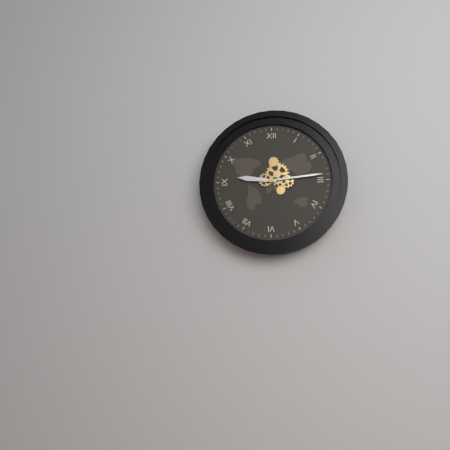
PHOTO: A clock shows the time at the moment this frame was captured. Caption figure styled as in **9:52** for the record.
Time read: **9:14**
